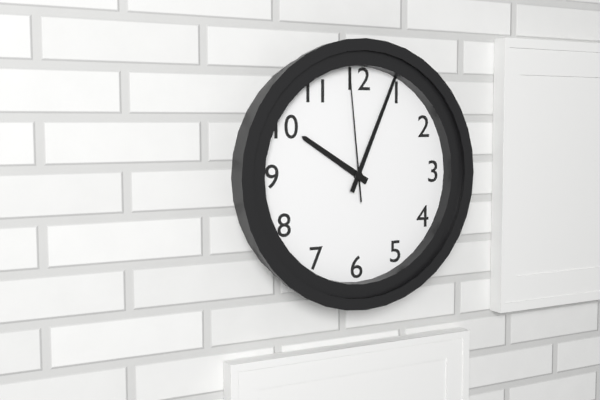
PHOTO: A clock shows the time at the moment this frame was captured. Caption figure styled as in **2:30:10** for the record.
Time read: **10:04:59**
